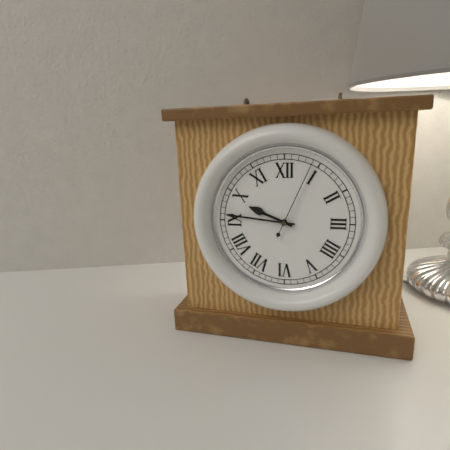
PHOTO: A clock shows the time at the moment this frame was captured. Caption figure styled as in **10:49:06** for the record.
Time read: **9:46:04**
